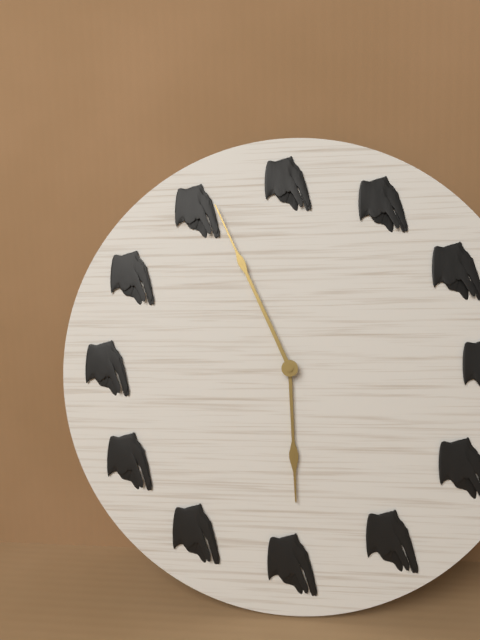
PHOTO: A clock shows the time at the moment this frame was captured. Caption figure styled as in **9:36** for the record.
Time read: **5:56**
